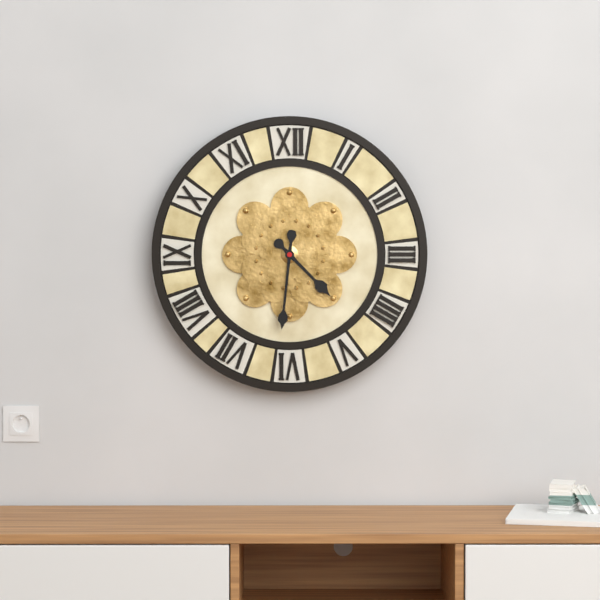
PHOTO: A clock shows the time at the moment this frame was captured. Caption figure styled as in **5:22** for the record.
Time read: **4:31**
